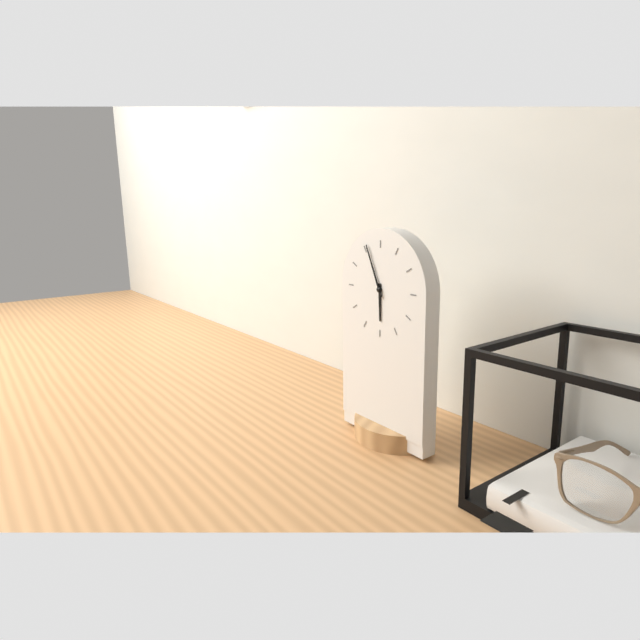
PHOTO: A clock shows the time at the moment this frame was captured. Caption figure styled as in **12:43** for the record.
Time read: **5:56**
